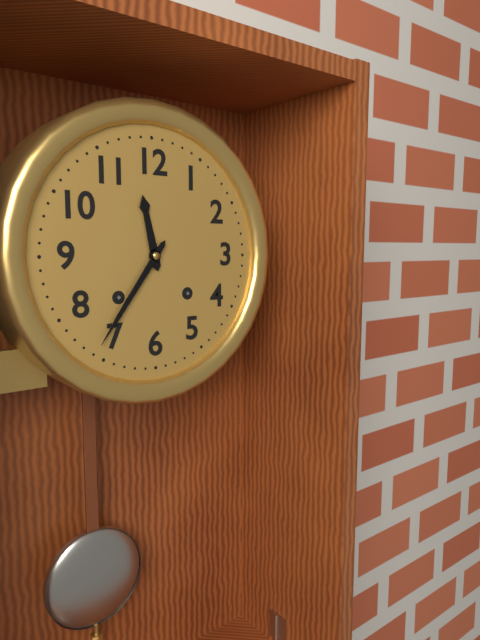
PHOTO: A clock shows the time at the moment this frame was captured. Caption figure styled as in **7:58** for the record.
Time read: **11:36**
